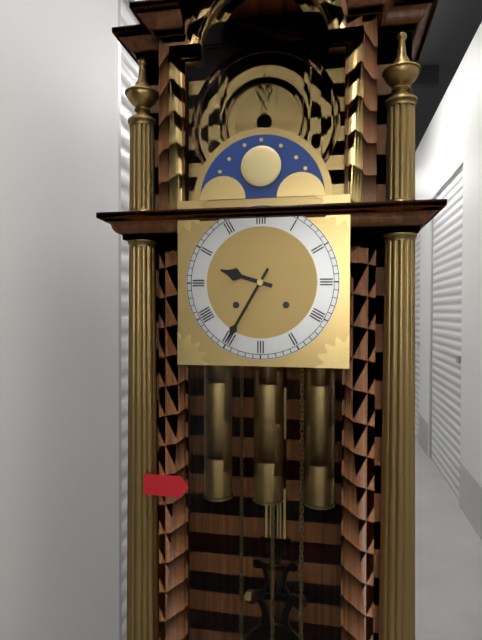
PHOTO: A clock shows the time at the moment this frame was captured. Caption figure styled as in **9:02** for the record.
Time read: **9:35**
